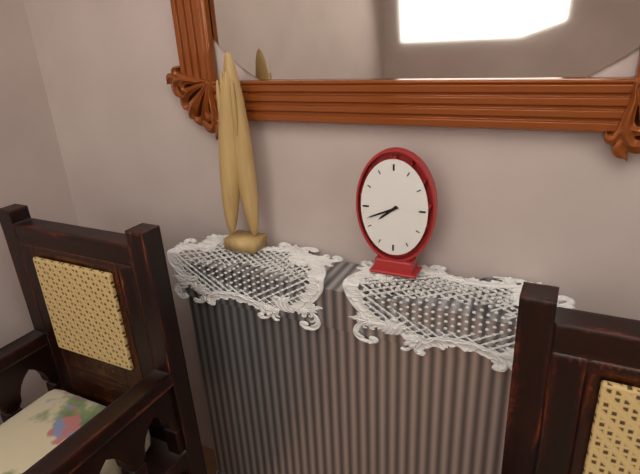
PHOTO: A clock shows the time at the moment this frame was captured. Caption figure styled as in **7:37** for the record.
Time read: **7:41**
